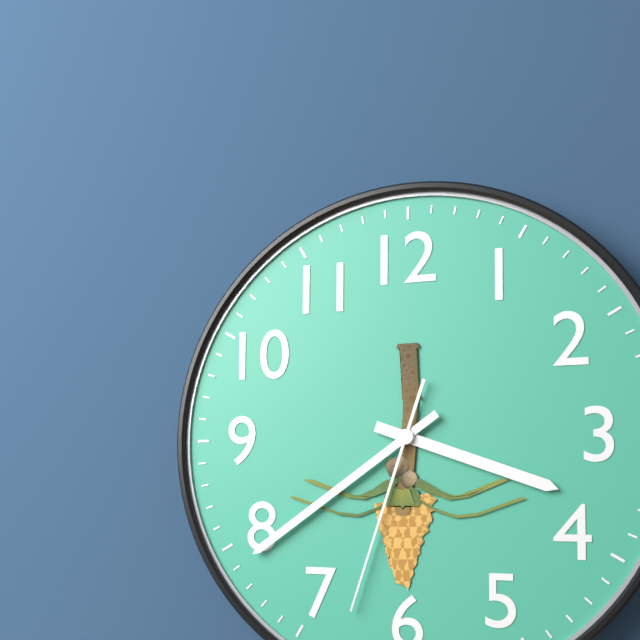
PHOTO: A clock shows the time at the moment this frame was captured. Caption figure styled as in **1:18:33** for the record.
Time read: **3:39:33**
